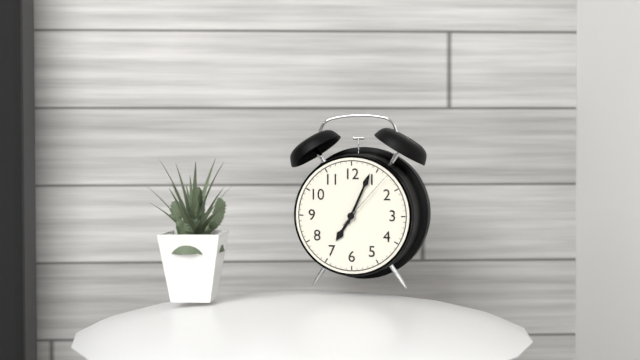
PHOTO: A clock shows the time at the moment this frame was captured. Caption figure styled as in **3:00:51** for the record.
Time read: **7:04:07**
